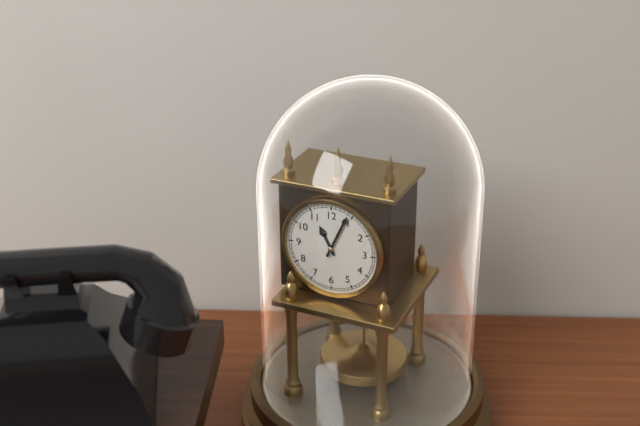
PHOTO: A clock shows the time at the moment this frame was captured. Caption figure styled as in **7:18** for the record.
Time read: **11:04**
